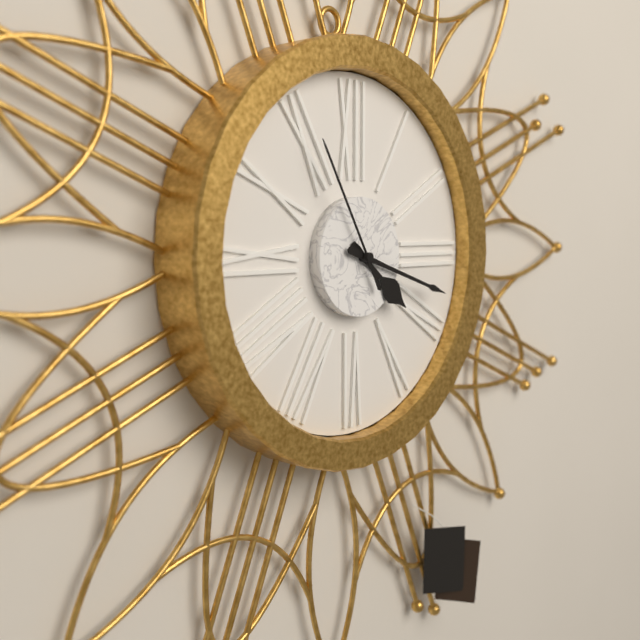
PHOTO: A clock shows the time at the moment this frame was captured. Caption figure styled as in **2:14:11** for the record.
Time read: **4:18:55**
